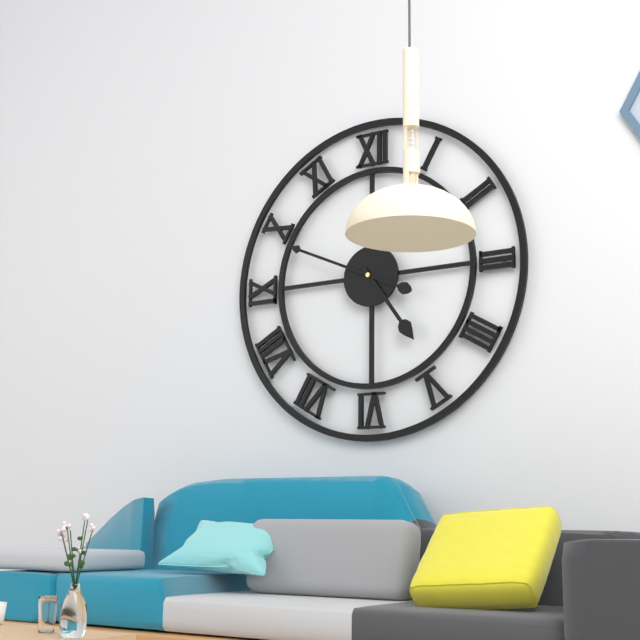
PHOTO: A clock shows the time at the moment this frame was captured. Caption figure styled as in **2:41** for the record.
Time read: **4:49**
